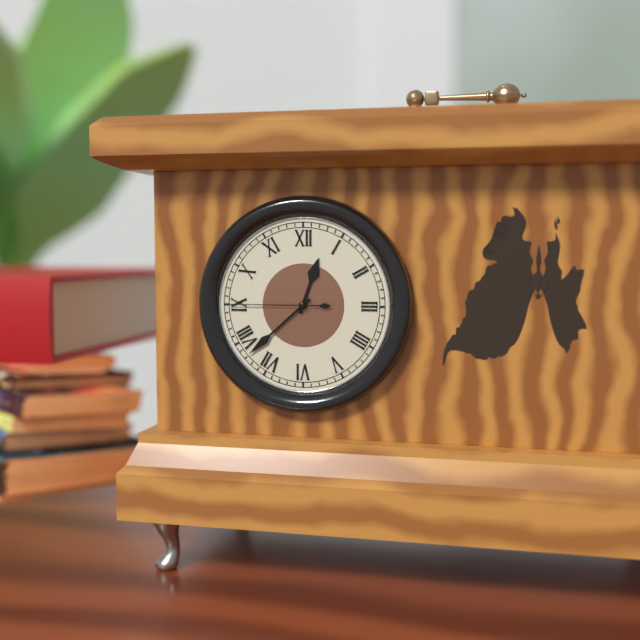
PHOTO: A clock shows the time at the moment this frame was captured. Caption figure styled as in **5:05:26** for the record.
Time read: **12:38:45**
